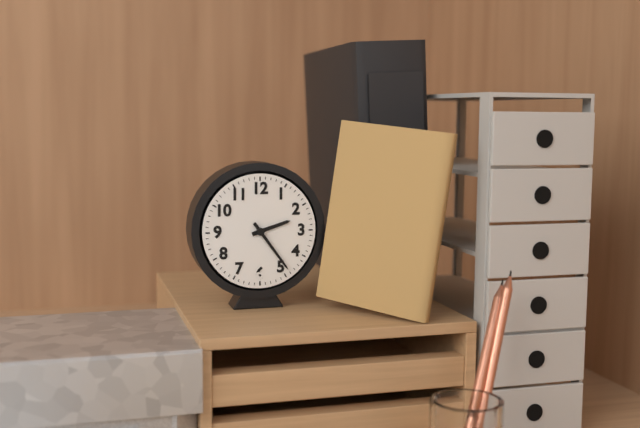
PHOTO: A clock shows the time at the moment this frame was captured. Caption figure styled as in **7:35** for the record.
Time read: **2:24**
